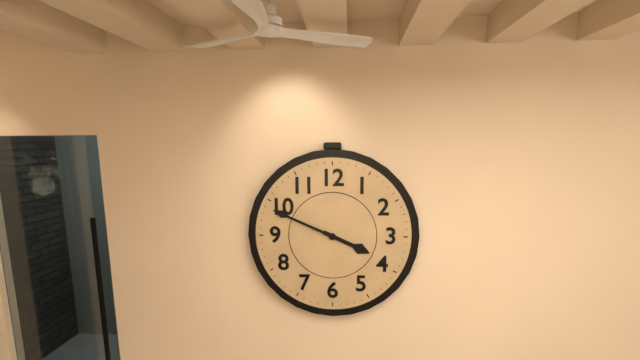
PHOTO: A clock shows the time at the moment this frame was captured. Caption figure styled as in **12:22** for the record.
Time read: **3:49**
